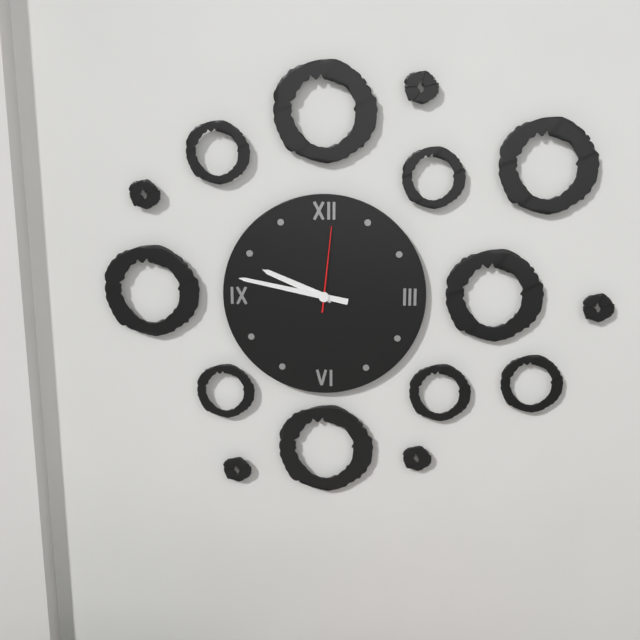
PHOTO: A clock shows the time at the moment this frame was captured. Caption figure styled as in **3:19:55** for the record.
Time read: **9:47:01**
